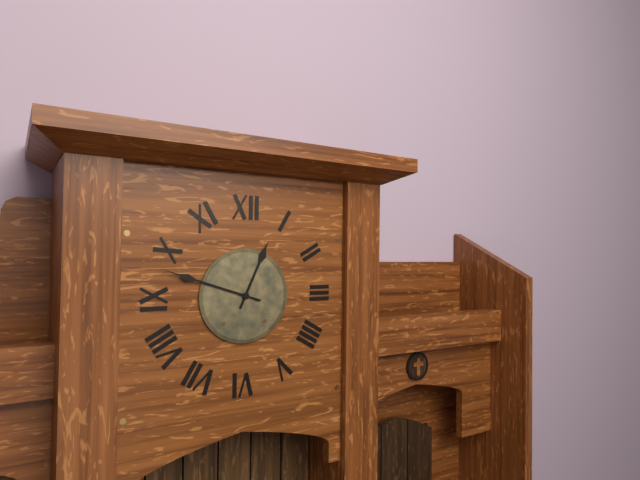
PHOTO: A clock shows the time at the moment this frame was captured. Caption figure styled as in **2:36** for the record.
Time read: **12:48**
